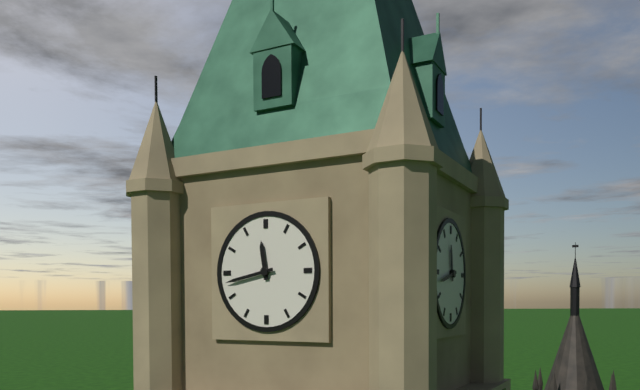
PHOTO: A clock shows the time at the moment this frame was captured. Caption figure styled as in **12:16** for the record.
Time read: **11:43**
